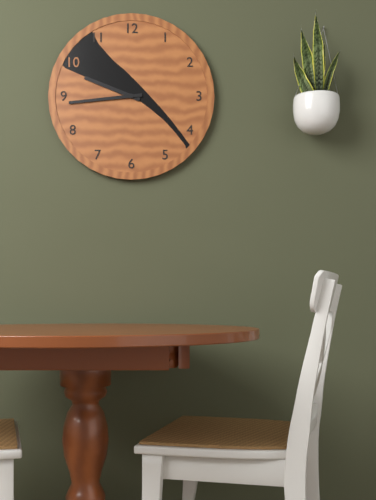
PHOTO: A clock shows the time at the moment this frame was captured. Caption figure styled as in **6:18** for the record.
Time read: **9:44**
